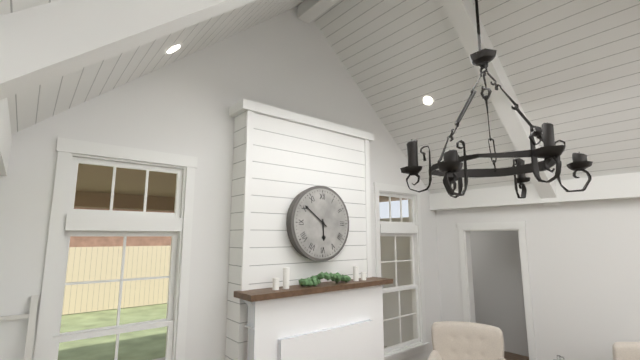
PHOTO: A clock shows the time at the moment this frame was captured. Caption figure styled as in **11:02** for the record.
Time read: **5:51**
